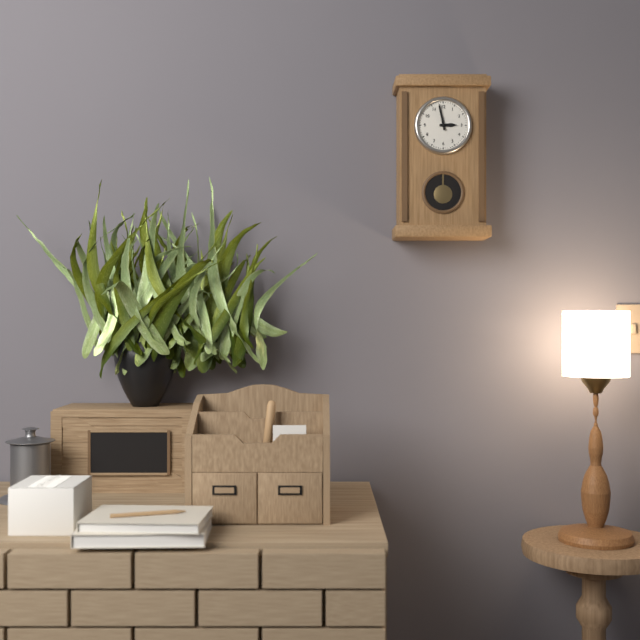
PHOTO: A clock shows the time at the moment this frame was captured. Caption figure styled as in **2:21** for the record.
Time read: **2:58**
